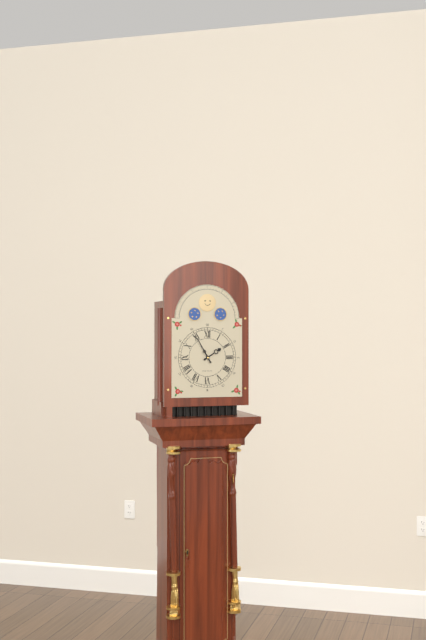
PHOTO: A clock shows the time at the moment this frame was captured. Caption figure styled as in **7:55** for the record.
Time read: **1:55**
